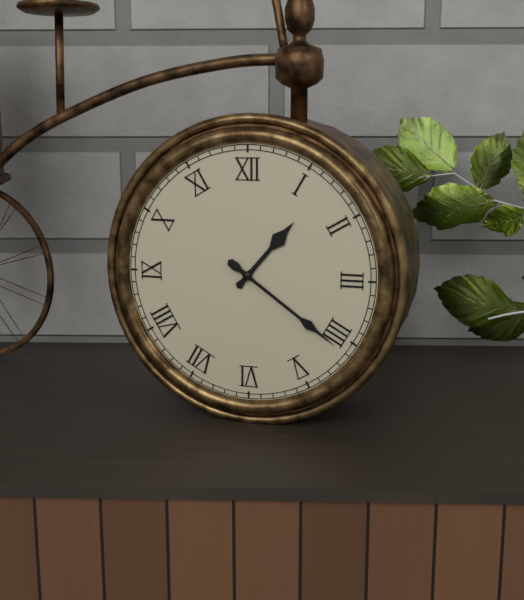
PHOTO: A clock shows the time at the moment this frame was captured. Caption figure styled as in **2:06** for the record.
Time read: **1:21**
